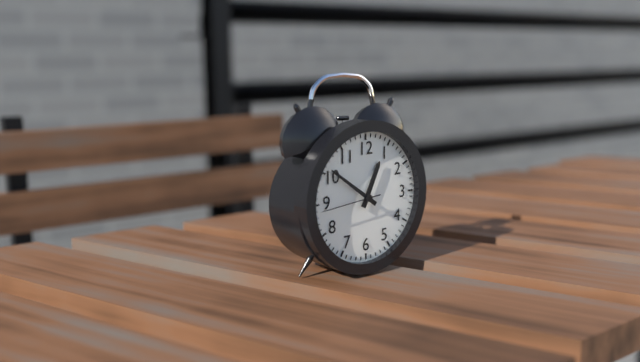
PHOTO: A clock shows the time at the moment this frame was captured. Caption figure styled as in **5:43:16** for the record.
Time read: **12:51:44**
